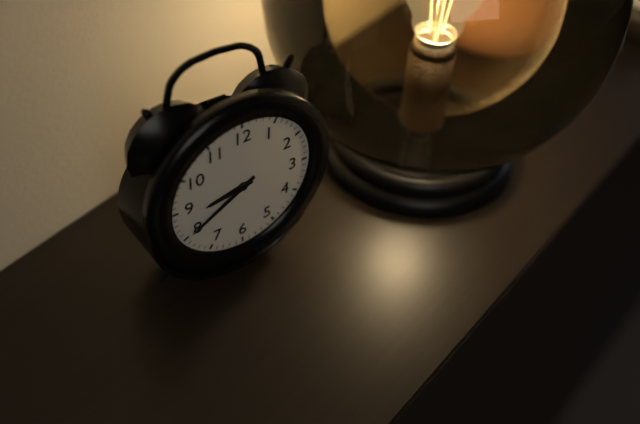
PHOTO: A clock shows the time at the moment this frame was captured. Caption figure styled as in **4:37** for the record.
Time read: **8:40**
